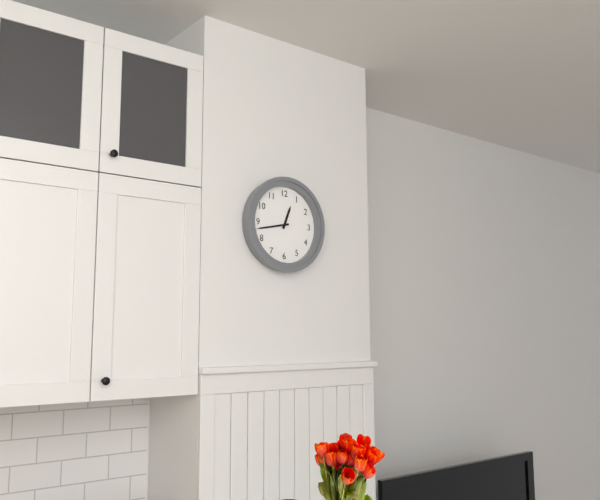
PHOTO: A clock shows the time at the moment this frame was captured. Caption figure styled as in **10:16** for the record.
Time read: **12:43**
